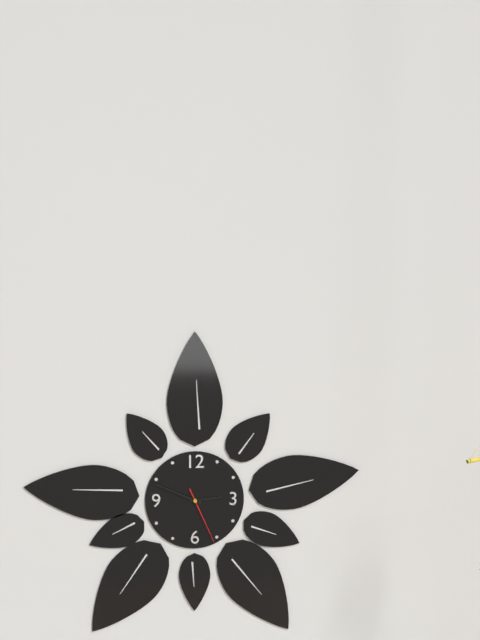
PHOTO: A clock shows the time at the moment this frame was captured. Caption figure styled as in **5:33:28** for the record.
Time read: **2:49:26**
